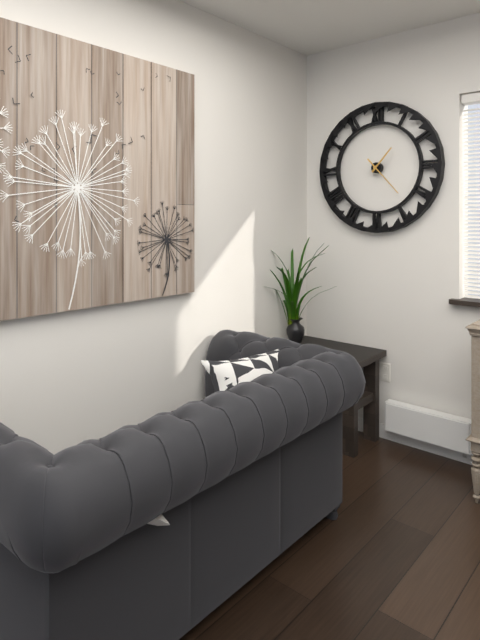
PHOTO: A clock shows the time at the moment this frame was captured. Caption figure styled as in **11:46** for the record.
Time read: **1:23**
